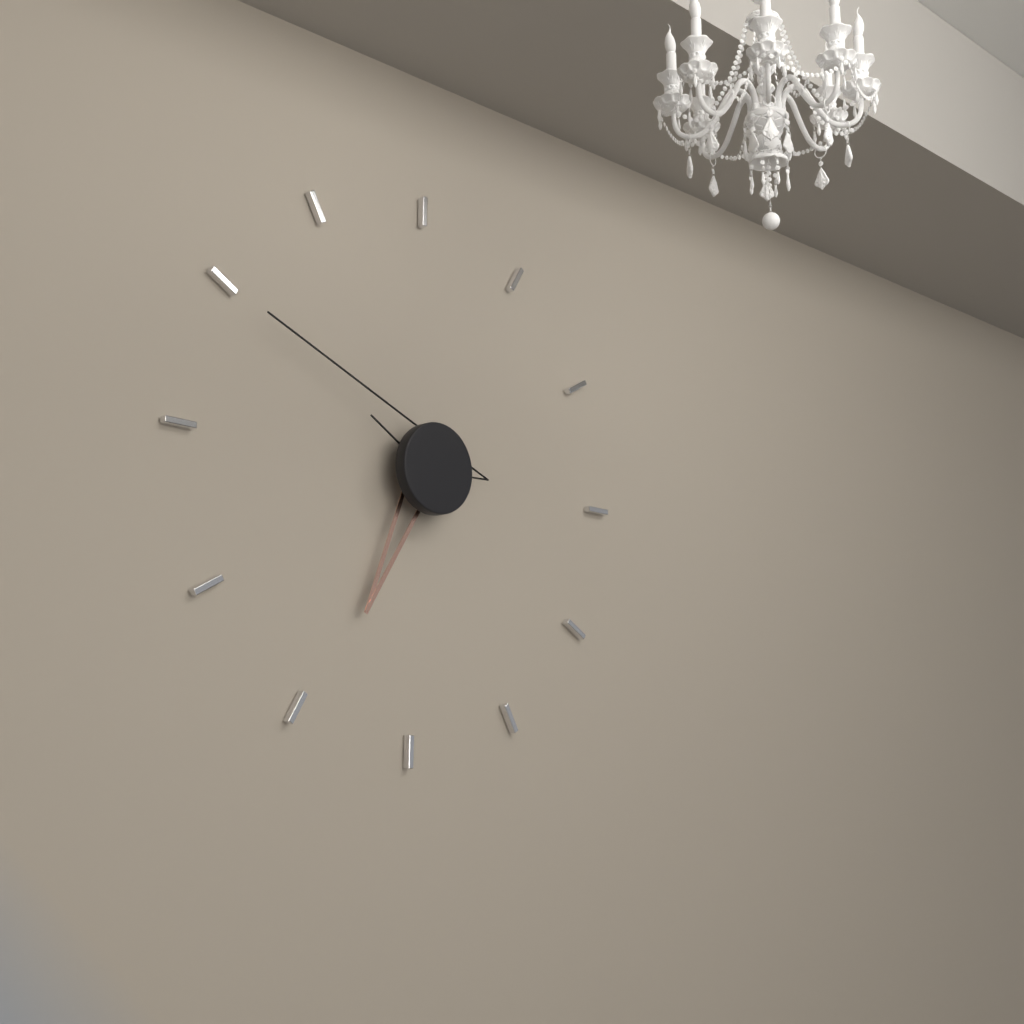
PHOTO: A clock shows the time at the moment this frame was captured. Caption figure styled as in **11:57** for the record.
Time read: **6:50**
